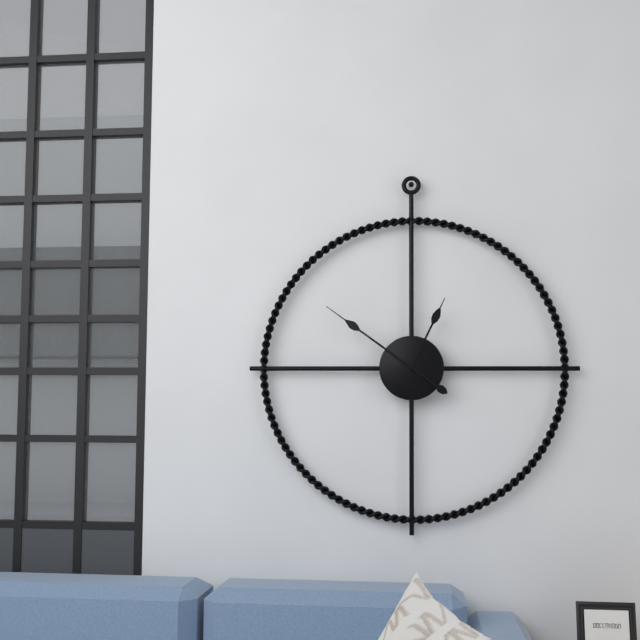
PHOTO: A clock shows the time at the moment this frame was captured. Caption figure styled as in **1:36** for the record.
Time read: **12:51**
